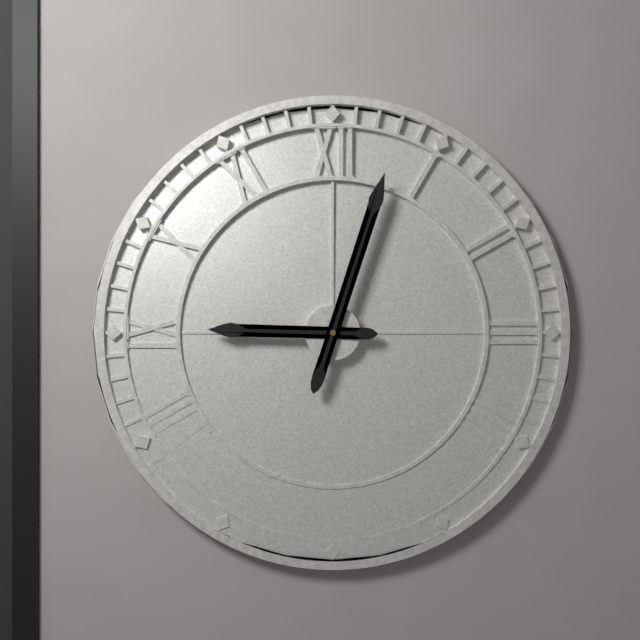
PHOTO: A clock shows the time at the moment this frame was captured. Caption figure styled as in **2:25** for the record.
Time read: **9:03**
